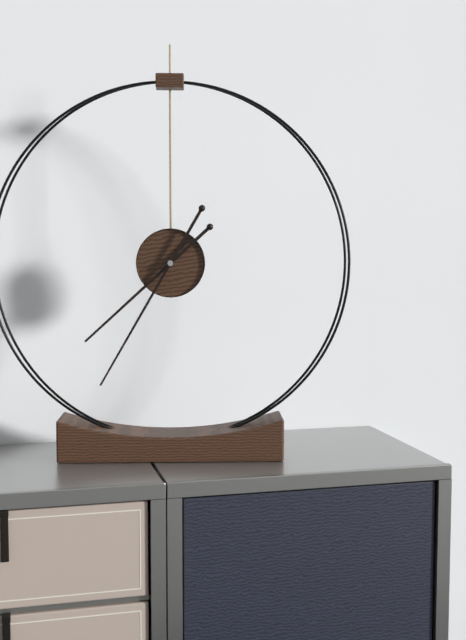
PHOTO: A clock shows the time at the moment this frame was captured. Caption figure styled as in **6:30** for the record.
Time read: **7:35**
